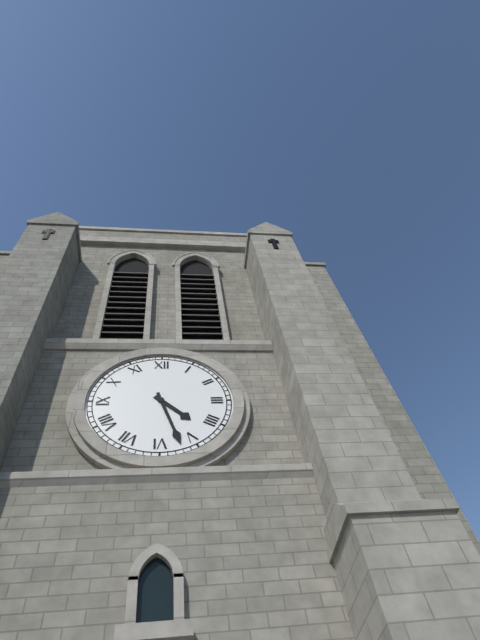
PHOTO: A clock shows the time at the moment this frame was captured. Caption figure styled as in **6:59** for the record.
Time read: **4:27**
